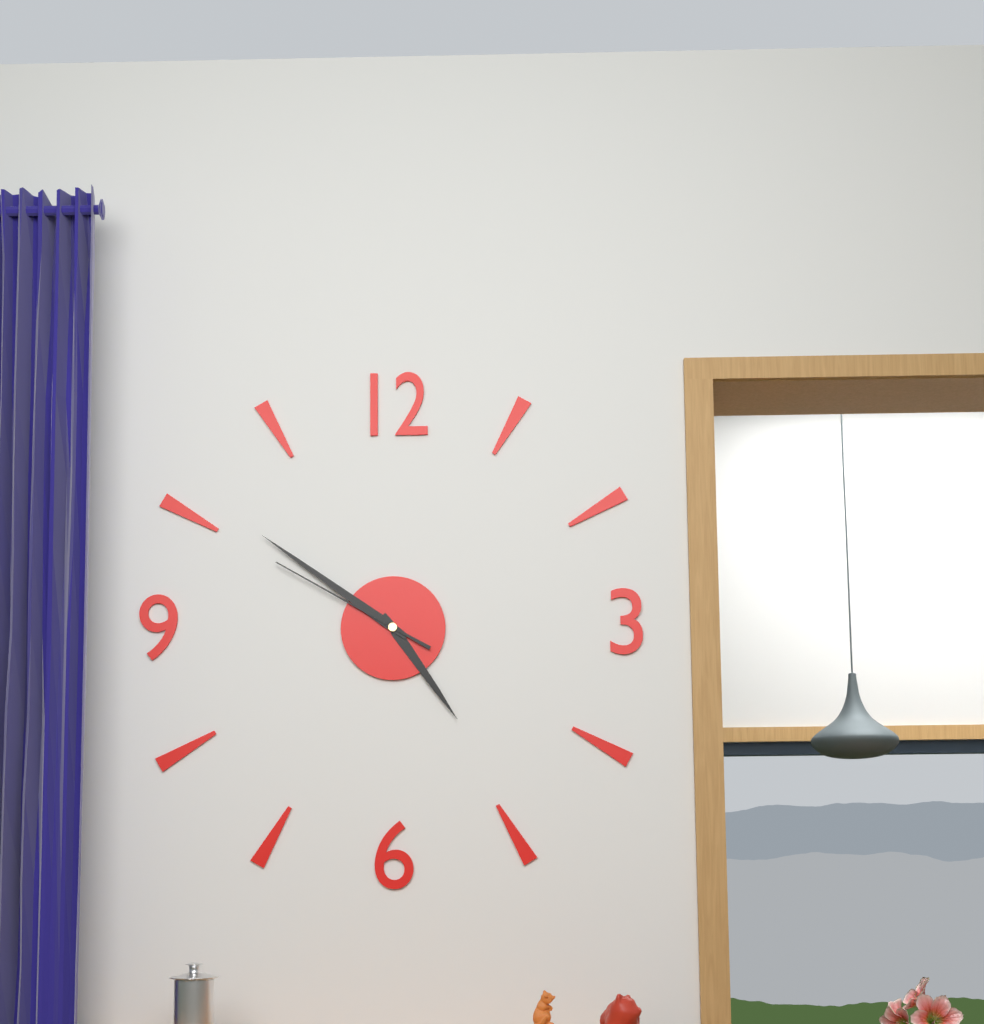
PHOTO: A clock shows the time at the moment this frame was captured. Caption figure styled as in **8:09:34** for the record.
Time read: **4:51:50**
